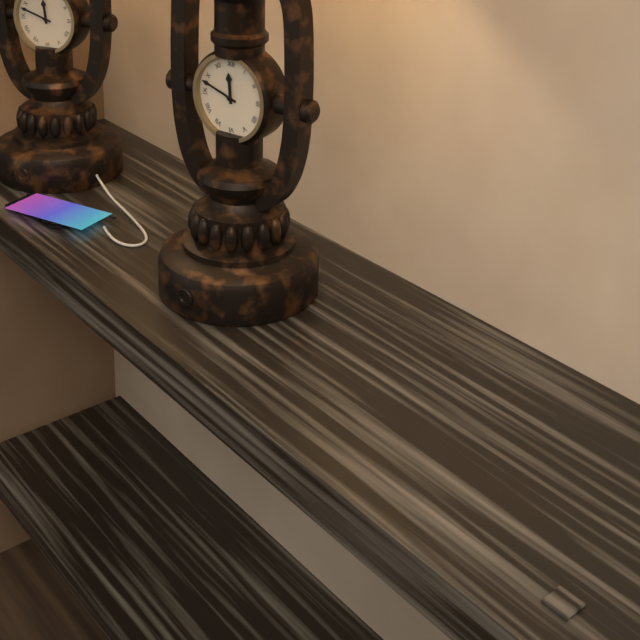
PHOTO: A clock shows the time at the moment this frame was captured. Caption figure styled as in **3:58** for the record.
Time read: **11:48**
